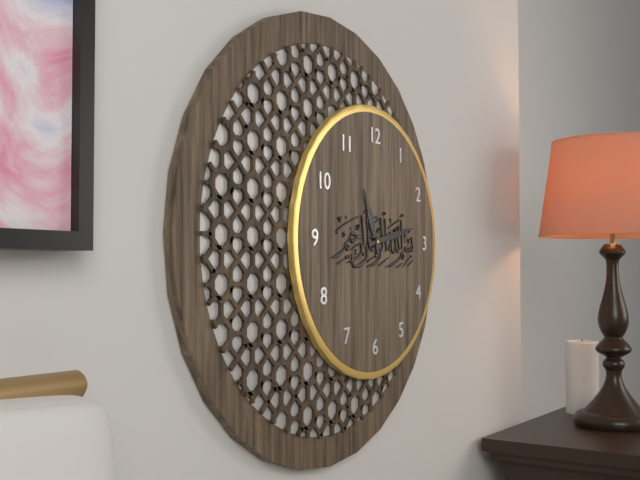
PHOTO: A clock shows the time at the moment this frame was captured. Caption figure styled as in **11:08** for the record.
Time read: **11:13**
